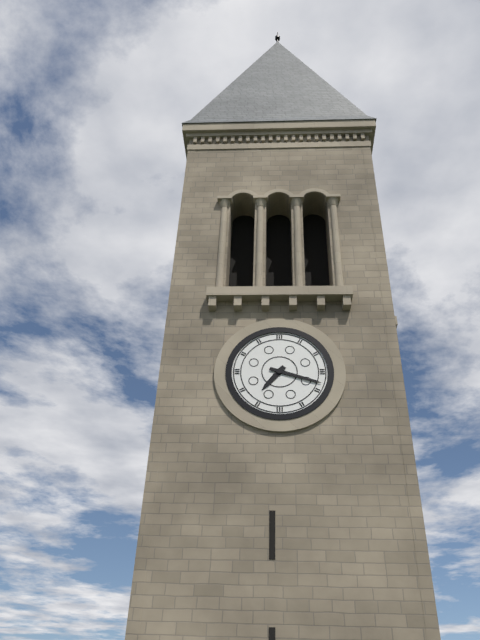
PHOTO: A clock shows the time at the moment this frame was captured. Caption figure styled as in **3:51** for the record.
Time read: **7:18**
